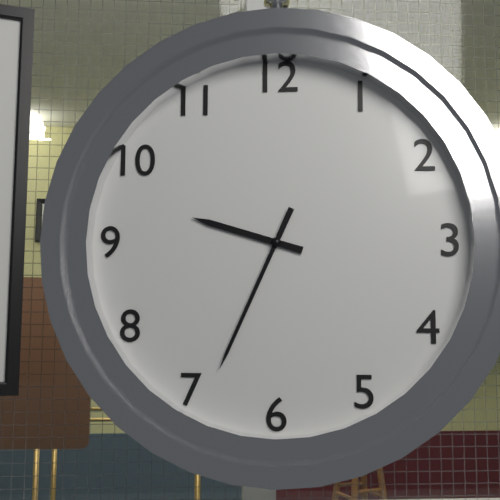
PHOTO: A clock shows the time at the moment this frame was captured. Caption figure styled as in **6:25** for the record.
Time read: **9:34**
